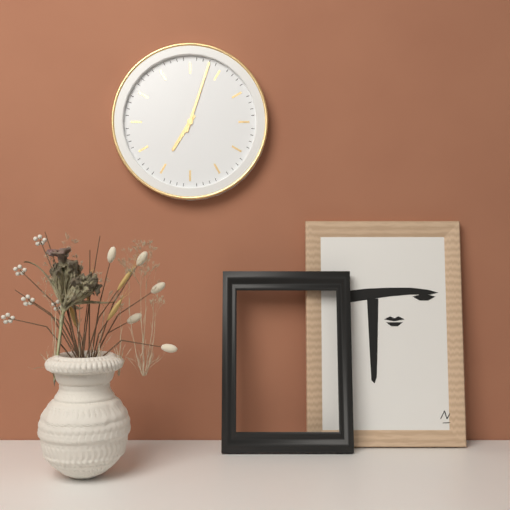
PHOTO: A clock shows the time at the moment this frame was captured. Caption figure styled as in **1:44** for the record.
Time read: **7:03**
